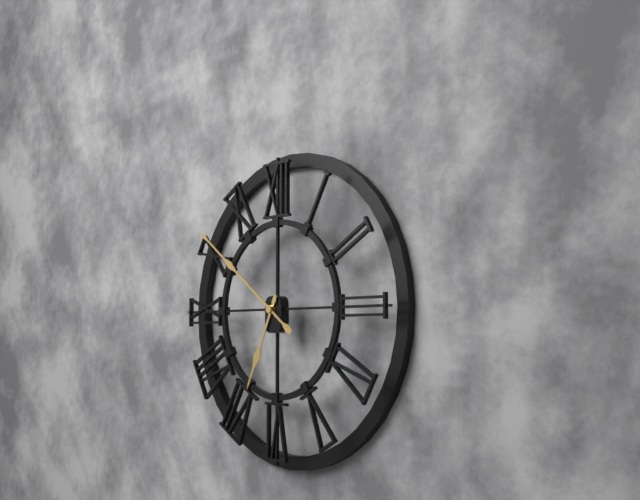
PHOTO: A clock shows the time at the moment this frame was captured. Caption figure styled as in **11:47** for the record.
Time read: **6:51**
